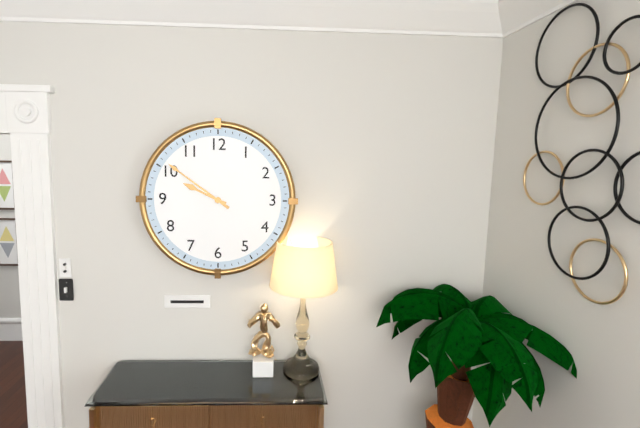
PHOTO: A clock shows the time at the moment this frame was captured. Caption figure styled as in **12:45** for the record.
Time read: **9:51**
